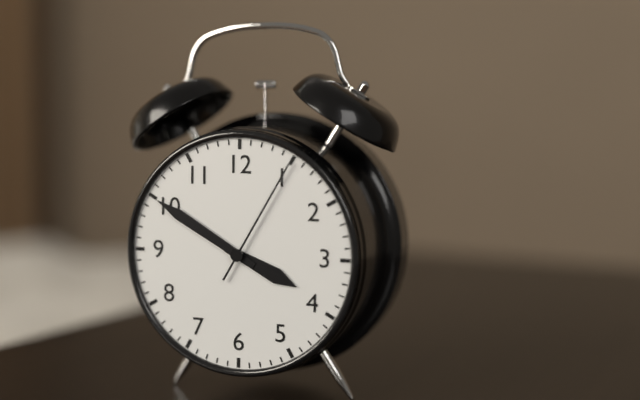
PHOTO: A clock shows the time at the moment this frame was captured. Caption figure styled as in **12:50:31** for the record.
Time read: **3:50:05**
